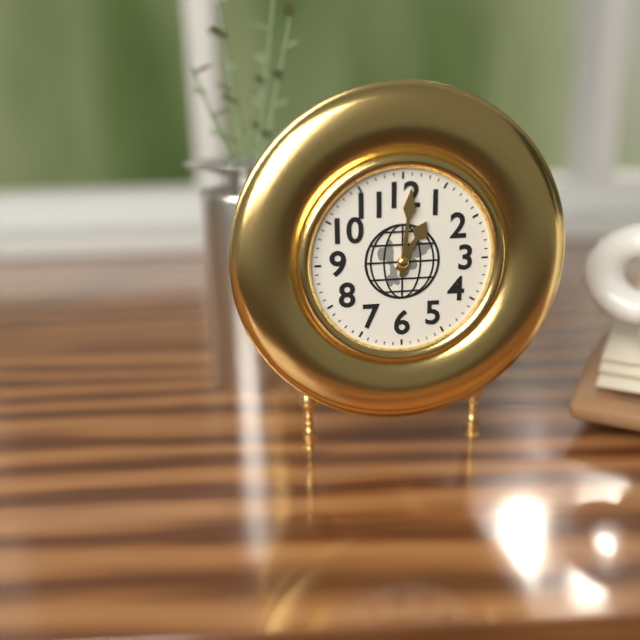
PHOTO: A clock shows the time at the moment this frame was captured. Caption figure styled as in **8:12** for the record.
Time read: **1:01**
